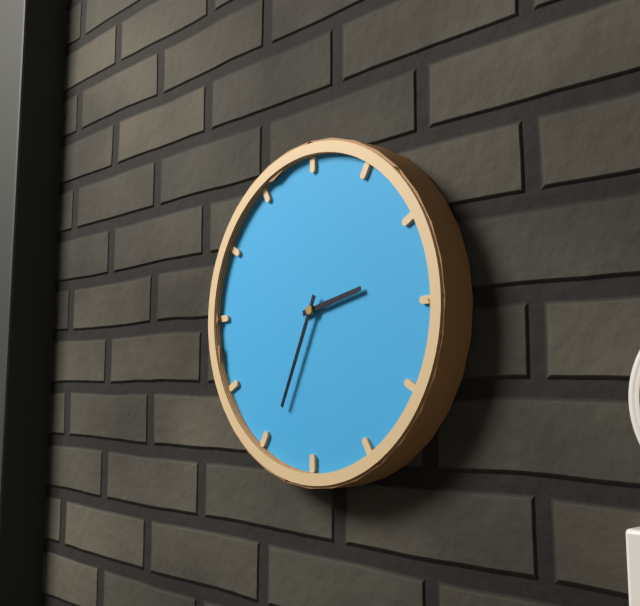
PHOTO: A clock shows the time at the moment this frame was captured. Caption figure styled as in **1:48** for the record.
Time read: **2:34**
